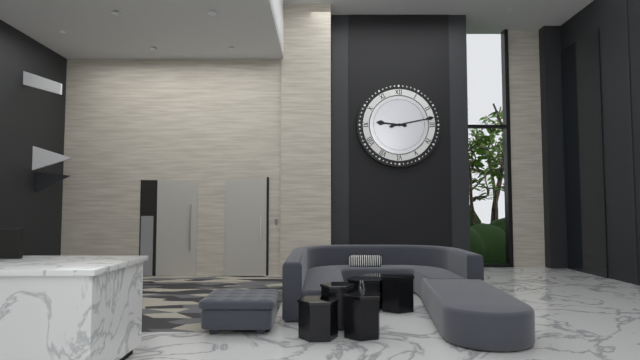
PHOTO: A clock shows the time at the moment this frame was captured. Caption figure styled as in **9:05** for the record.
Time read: **9:13**
